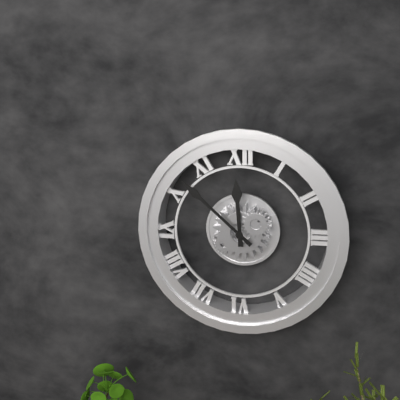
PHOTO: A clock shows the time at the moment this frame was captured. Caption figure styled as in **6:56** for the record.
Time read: **11:52**
